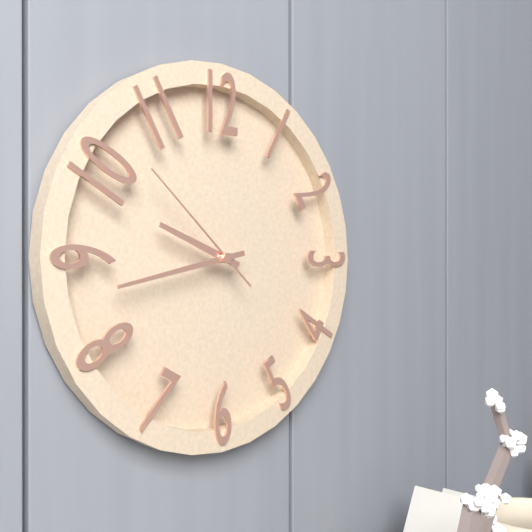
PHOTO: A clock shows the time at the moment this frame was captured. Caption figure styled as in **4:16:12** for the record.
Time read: **9:43:52**
